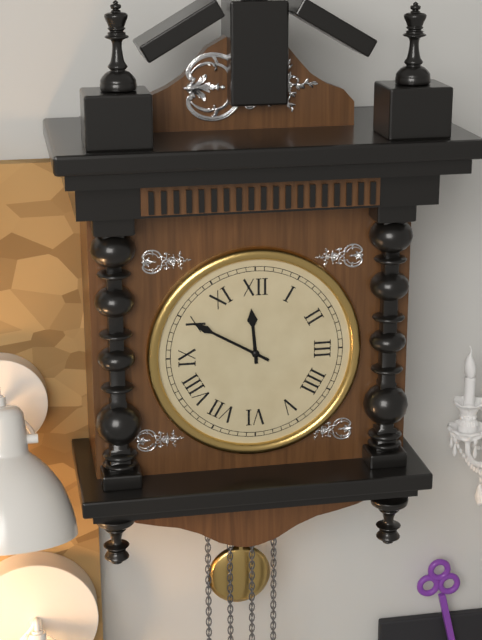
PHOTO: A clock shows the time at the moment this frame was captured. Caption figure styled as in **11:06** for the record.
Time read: **11:50**
